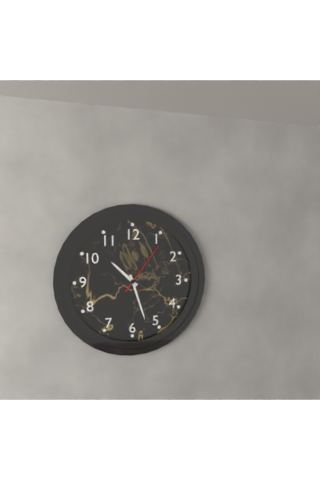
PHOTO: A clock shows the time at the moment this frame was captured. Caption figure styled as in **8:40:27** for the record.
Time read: **10:27:06**
